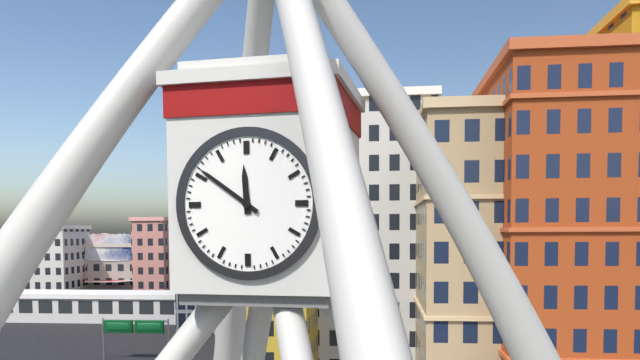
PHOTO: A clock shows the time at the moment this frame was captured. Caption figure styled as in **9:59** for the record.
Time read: **11:51**
